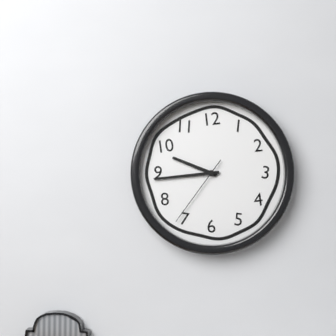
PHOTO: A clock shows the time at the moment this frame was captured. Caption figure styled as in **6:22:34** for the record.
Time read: **9:44:36**
